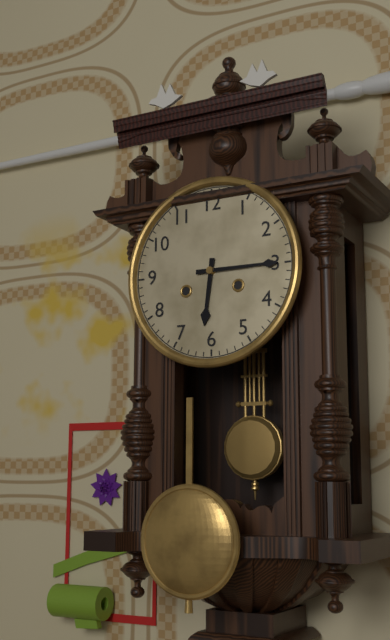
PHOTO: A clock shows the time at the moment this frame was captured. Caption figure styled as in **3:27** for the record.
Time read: **6:15**
